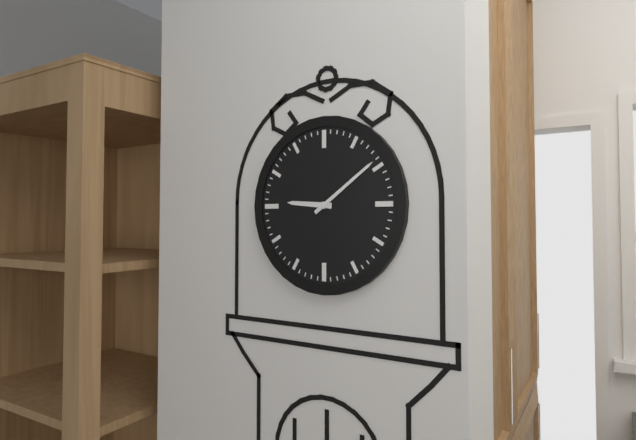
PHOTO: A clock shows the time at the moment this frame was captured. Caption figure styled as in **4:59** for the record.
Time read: **9:09**
